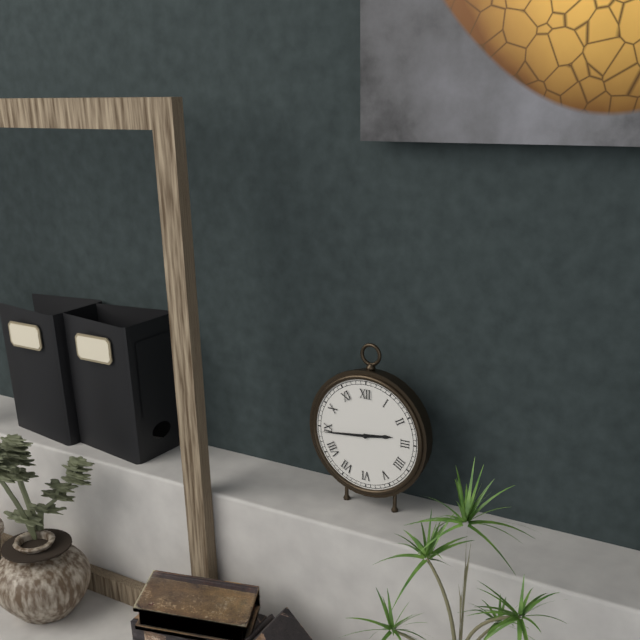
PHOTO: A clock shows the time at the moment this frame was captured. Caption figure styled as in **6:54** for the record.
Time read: **2:44**
